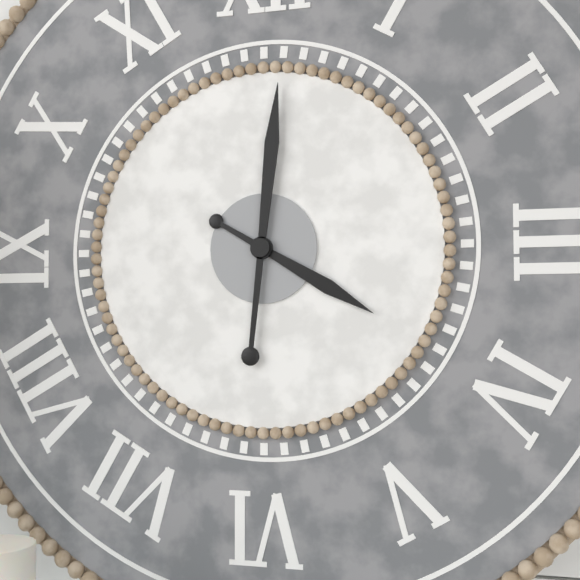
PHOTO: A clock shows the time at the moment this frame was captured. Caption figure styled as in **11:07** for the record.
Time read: **4:01**
